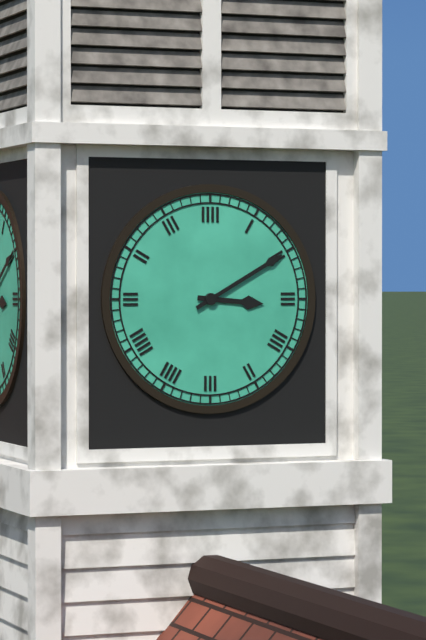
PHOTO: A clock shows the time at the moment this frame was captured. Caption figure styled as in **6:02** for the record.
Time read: **3:10**
